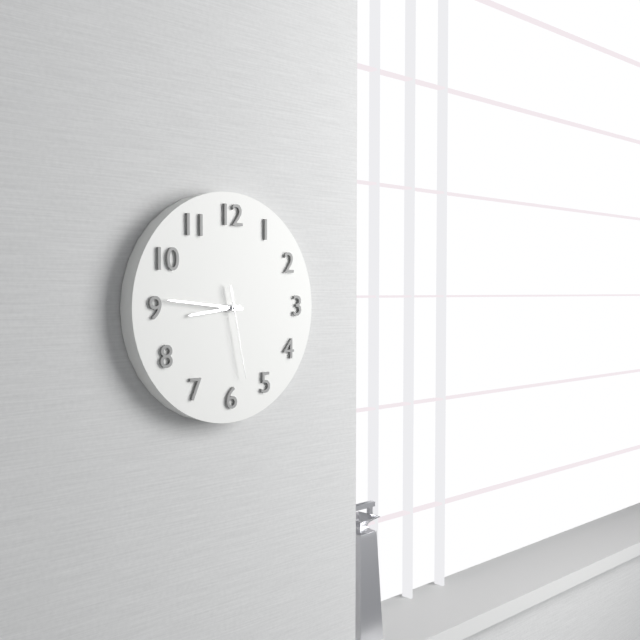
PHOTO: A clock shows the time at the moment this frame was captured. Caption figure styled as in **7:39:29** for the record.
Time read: **8:46:28**
